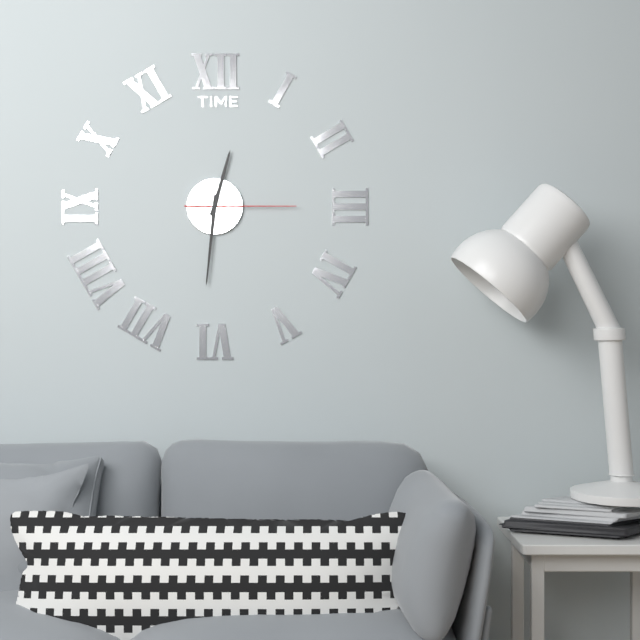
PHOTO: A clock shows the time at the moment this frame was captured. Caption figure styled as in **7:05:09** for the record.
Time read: **12:31:15**
